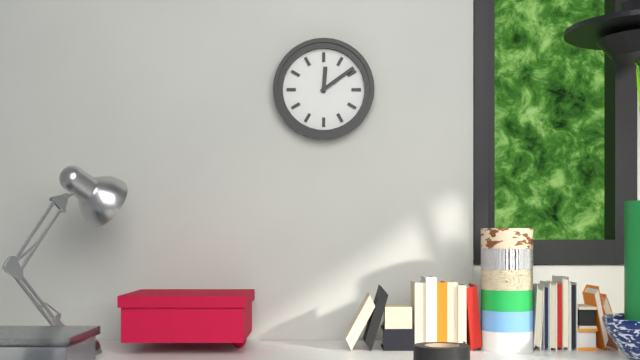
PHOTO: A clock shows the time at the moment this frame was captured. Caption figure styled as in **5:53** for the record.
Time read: **12:09**
